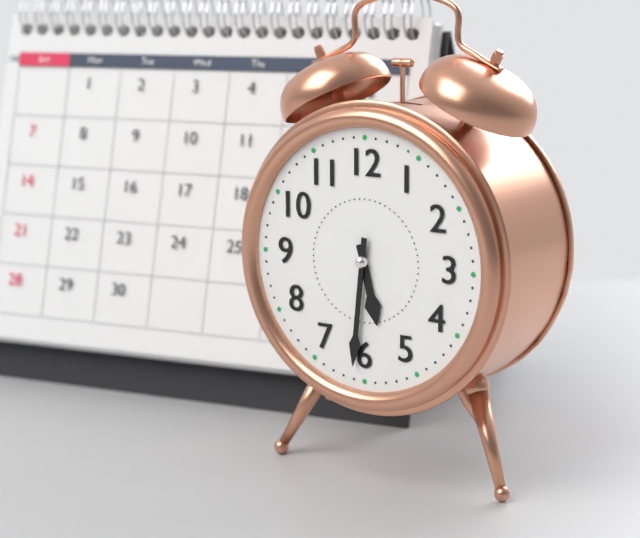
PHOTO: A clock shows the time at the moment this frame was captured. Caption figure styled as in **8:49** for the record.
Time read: **5:31**
